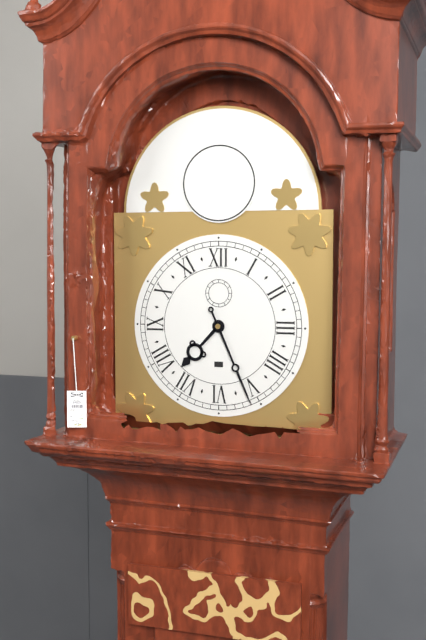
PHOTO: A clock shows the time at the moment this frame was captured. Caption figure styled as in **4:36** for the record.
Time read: **7:26**
